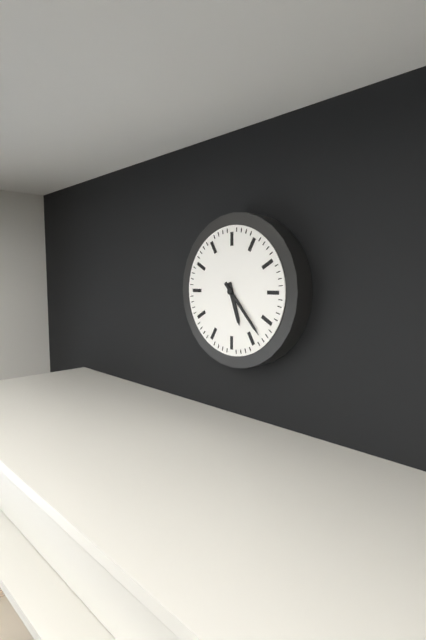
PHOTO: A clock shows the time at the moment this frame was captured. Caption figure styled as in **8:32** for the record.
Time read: **5:23**
